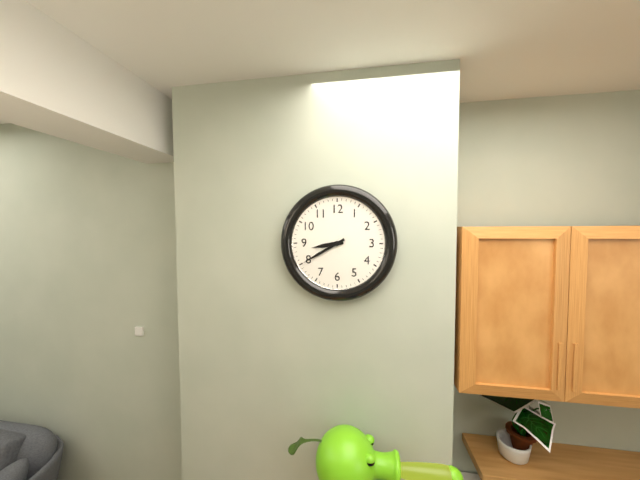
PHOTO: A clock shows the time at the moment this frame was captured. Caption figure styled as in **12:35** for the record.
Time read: **8:40**
